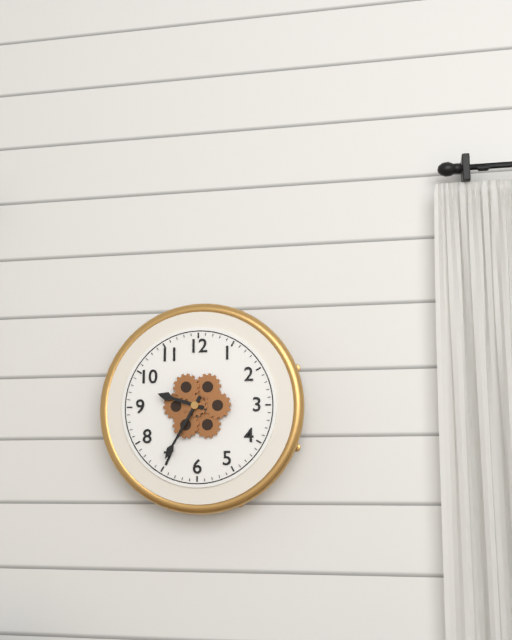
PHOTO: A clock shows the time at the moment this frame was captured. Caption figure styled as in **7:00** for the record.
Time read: **9:35**
